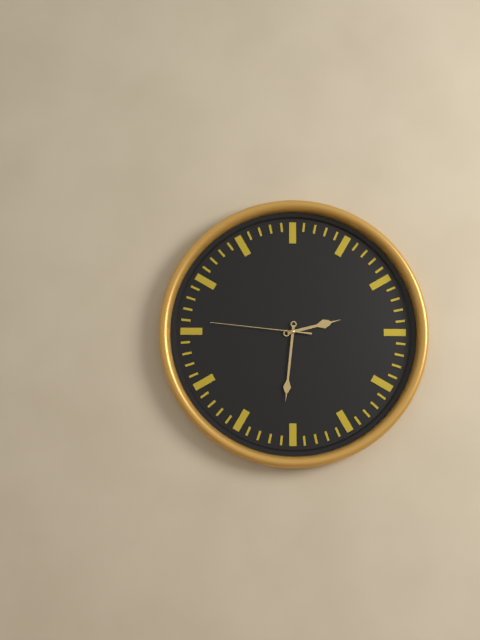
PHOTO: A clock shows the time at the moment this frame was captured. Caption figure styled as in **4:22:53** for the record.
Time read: **2:31:46**
